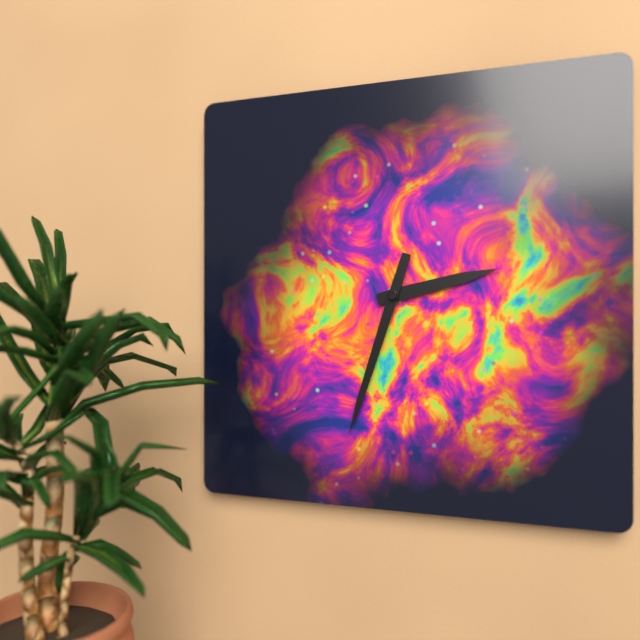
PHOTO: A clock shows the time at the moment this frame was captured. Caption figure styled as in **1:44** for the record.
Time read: **2:33**
